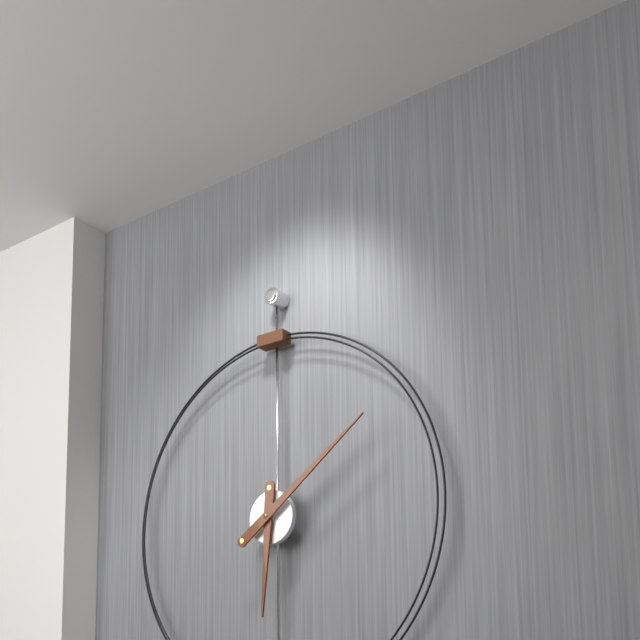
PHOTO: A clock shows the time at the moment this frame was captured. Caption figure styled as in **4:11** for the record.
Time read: **6:09**
